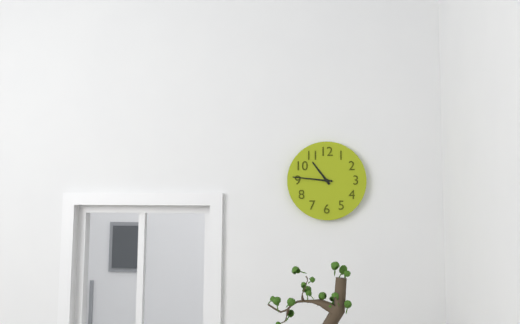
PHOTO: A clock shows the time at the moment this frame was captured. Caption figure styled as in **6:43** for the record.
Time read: **10:46**
